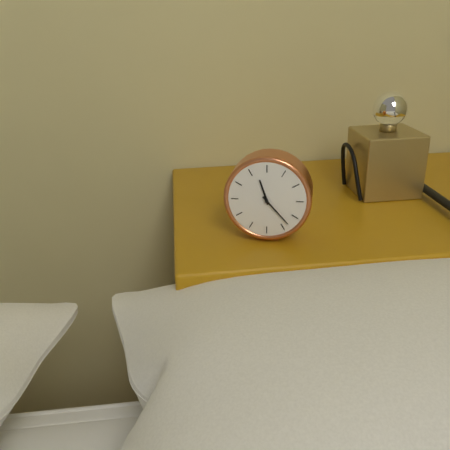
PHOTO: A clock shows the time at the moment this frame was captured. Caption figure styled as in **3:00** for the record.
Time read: **11:23**
